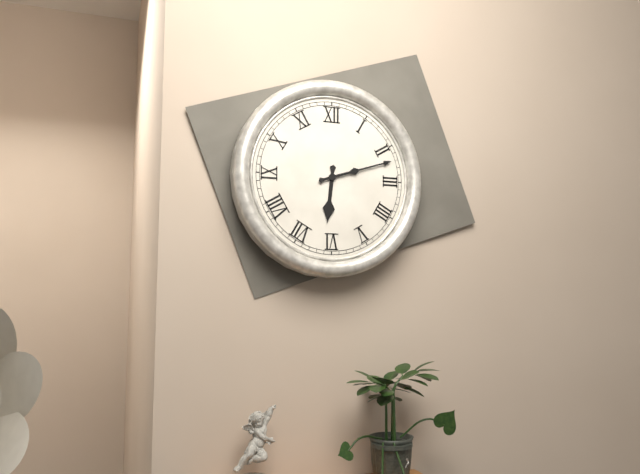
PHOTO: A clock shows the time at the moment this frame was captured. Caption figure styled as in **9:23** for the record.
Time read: **6:12**
